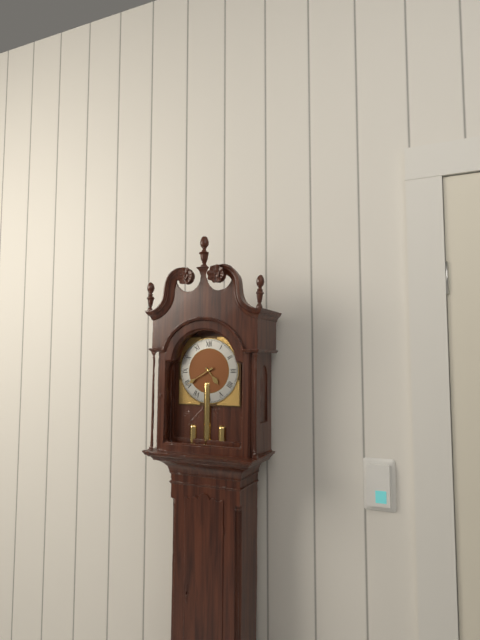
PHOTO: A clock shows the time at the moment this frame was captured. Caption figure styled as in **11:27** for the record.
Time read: **4:40**
